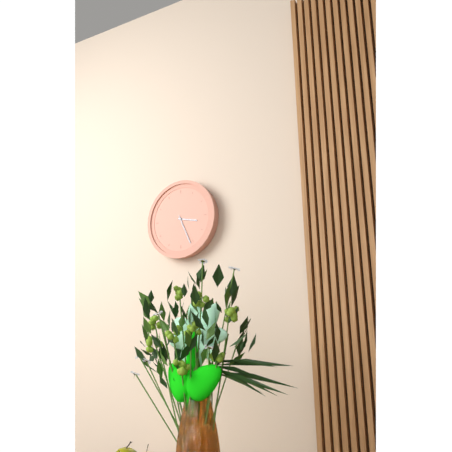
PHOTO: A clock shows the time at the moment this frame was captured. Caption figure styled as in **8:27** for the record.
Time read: **3:26**
